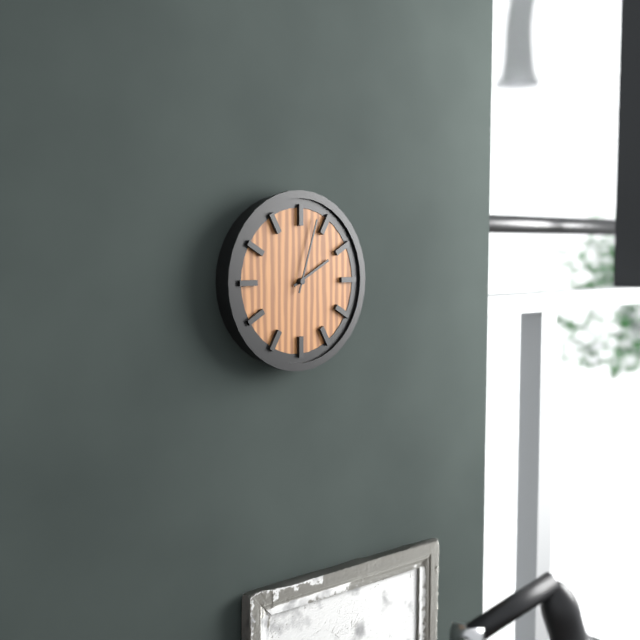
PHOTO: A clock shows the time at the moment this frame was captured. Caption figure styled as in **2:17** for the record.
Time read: **2:03**
